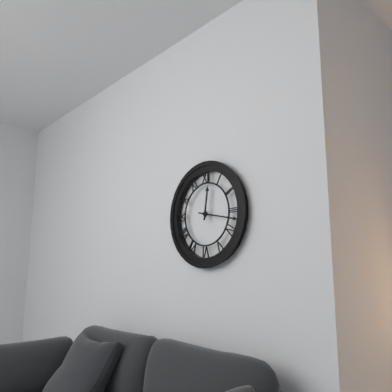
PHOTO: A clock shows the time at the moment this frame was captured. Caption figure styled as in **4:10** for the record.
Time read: **12:17**
